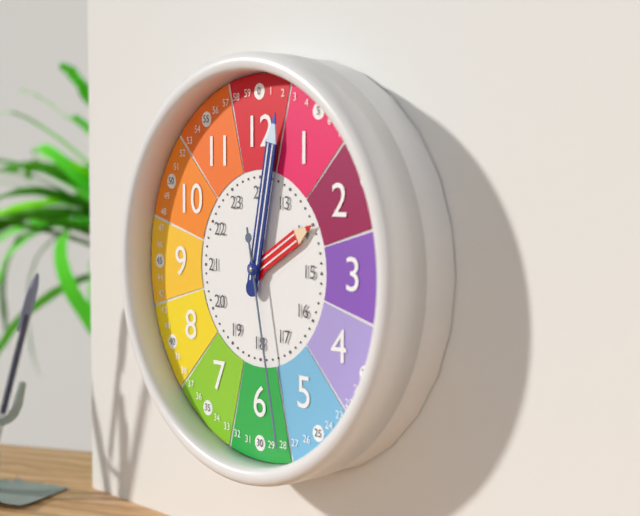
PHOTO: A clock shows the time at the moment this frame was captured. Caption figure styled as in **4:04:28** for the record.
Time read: **2:02:28**
